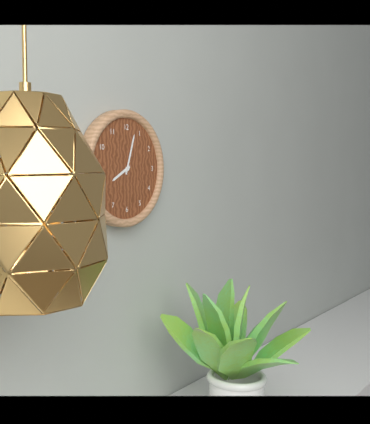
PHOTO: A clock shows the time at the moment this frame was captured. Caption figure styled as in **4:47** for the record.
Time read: **8:03**
